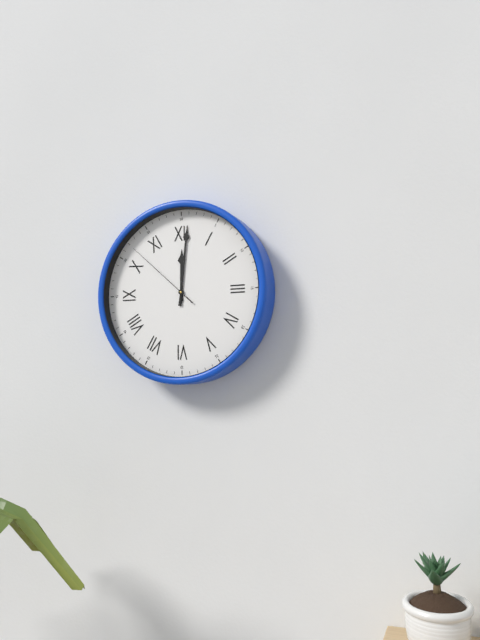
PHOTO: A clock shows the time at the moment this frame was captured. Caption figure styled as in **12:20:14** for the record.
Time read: **12:01:52**
